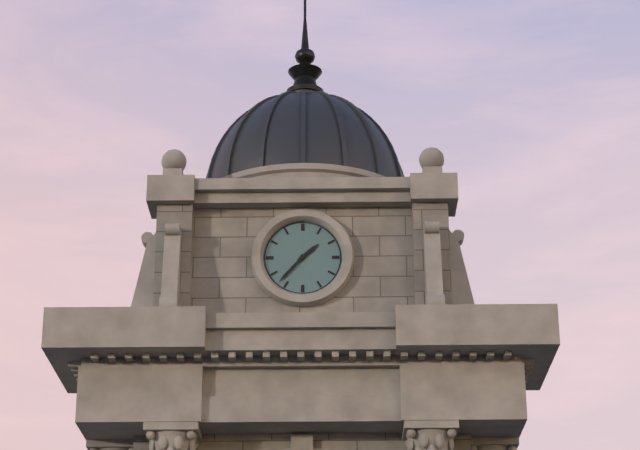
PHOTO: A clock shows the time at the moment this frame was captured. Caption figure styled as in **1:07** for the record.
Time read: **1:37**
